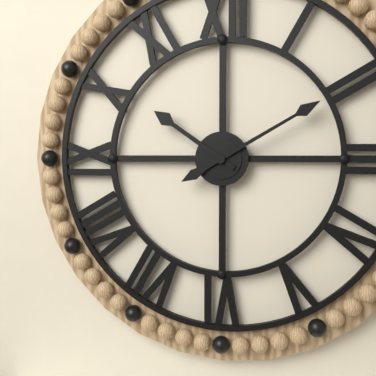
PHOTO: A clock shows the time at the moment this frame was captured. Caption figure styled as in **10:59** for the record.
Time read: **10:10**
